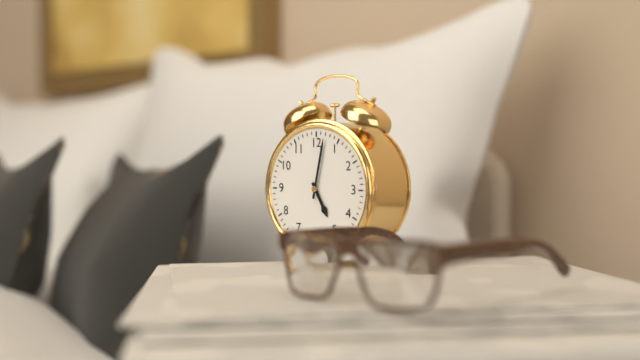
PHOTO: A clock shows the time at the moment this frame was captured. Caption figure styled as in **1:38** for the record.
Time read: **5:02**
